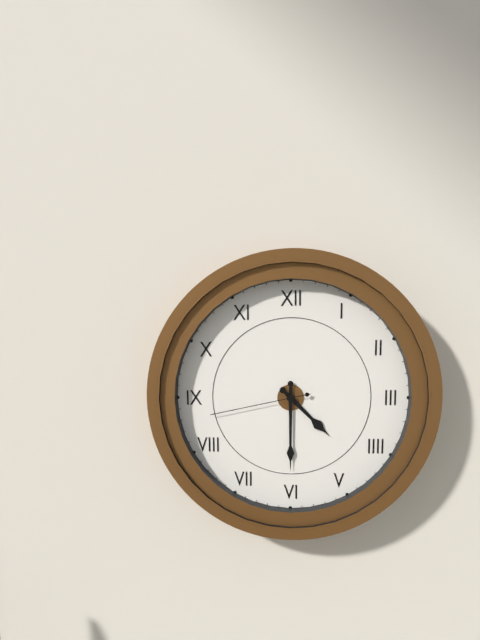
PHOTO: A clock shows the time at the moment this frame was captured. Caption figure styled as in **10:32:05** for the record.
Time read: **4:30:43**
